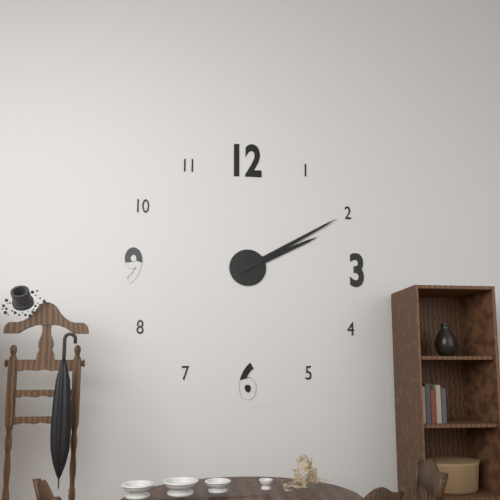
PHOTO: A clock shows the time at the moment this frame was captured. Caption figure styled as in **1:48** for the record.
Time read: **2:10**
